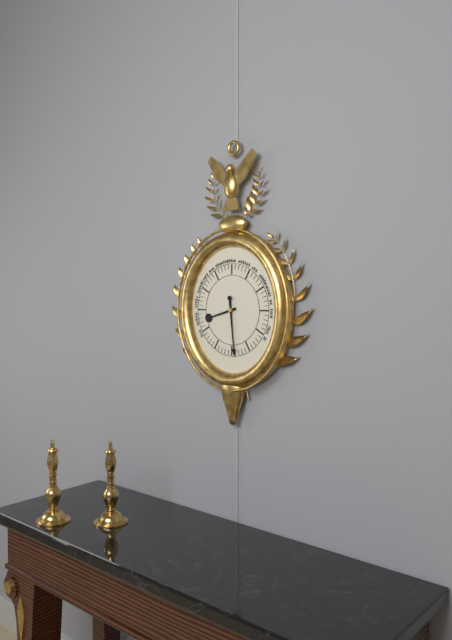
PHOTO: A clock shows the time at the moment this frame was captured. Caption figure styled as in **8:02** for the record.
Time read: **8:29**
